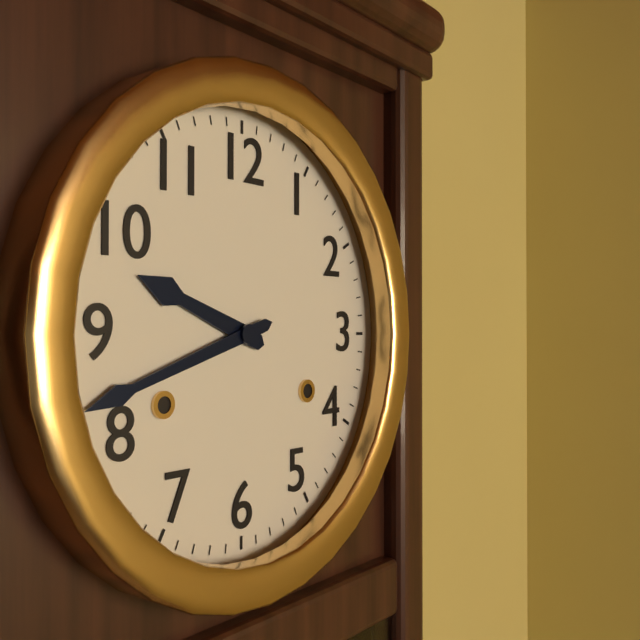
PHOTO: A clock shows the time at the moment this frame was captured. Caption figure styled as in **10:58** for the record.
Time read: **9:42**
